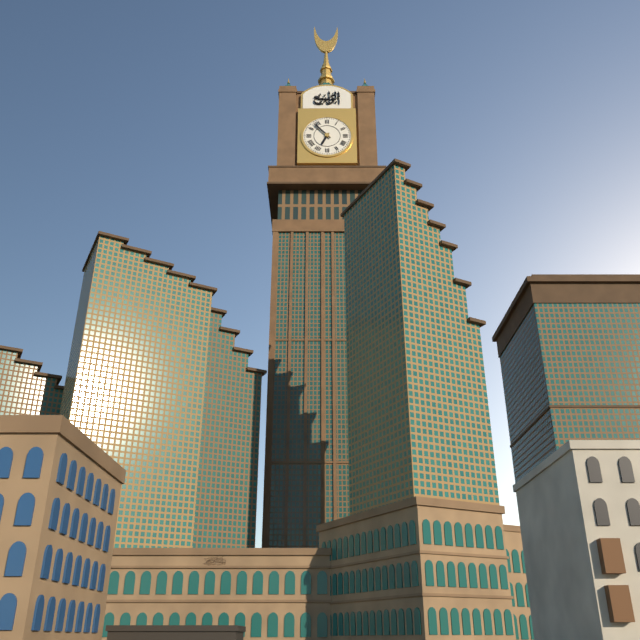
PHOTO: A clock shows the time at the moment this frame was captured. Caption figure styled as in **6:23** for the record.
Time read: **6:53**
